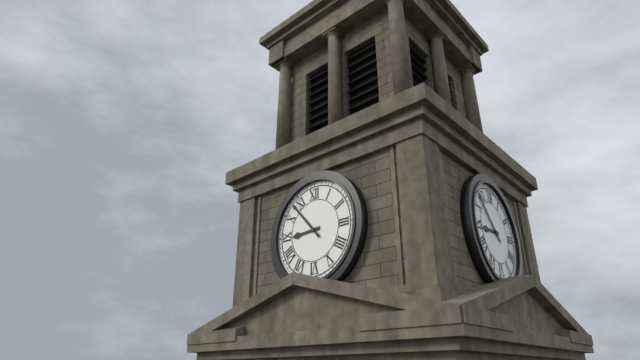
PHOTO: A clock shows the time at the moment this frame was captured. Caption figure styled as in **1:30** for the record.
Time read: **8:53**
